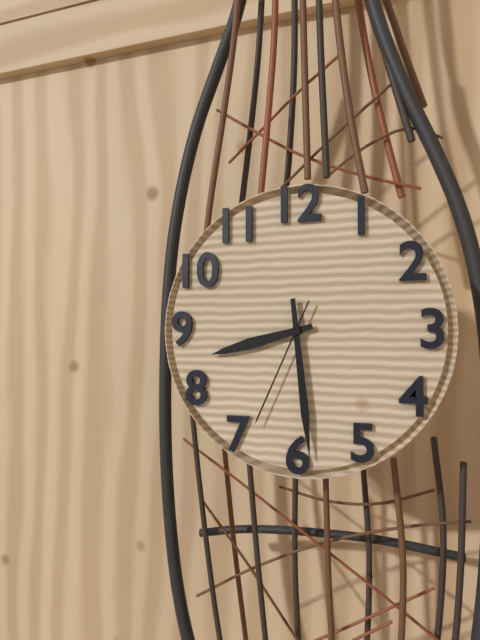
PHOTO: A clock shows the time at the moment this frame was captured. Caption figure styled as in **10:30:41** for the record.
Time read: **8:29:34**
